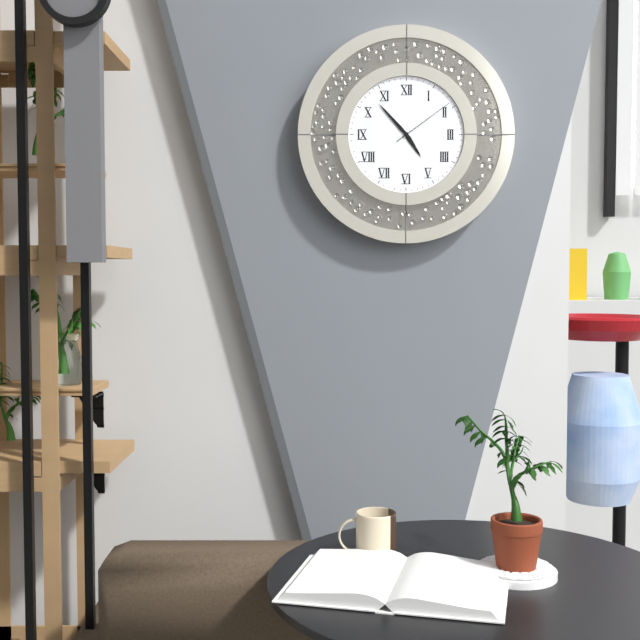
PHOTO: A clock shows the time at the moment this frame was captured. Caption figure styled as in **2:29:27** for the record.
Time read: **4:53:09**
